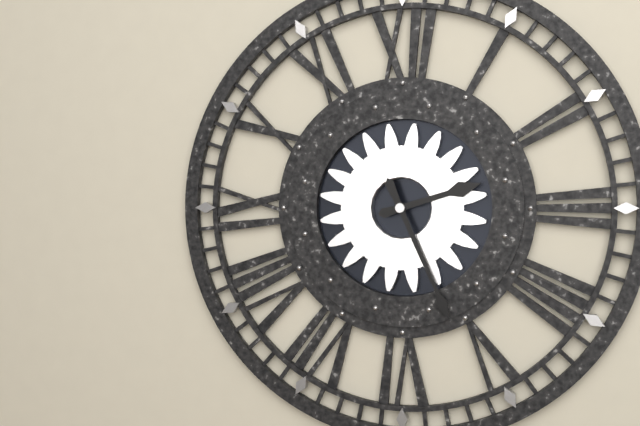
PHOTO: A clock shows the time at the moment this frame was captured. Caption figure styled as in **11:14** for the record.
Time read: **2:26**
